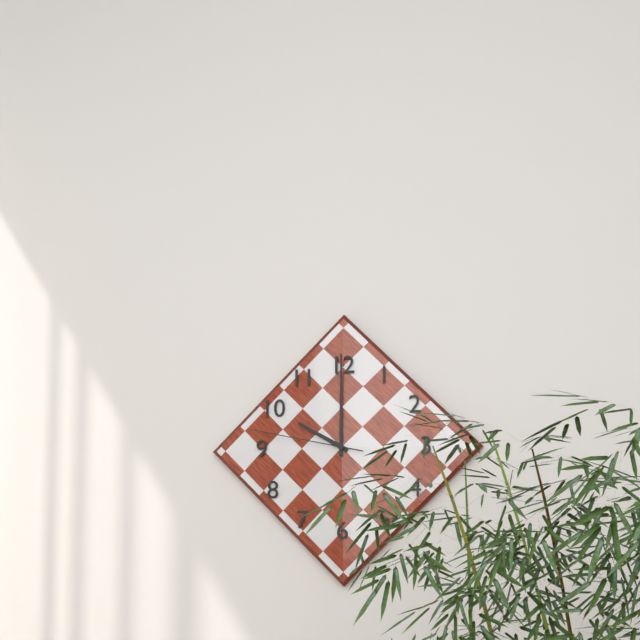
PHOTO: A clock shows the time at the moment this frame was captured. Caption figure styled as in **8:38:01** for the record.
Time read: **10:00:47**
